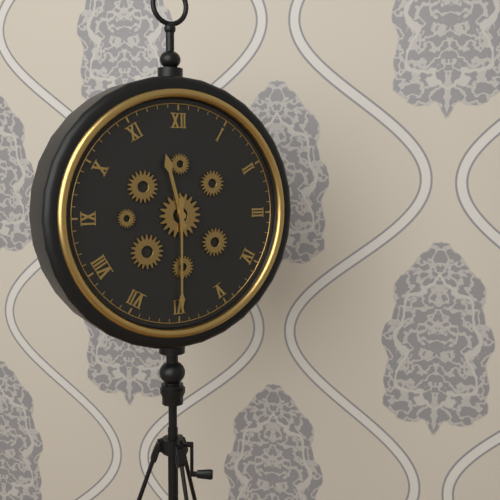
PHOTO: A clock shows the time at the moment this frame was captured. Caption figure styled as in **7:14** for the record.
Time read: **11:30**
